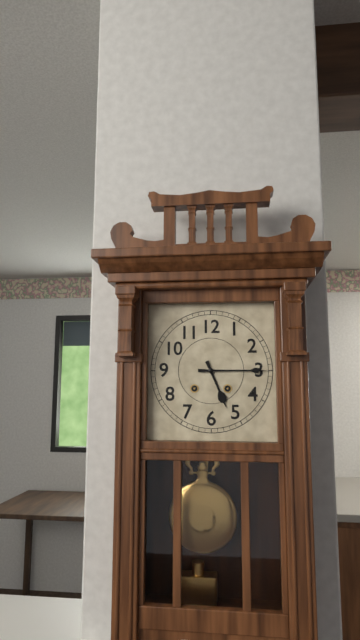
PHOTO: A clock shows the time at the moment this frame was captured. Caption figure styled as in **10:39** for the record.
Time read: **5:15**
